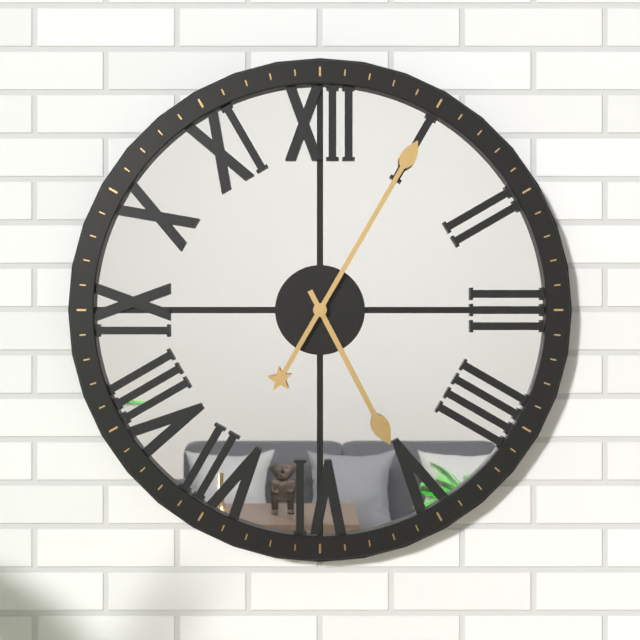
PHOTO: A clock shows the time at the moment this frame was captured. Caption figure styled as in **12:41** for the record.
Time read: **5:05**
